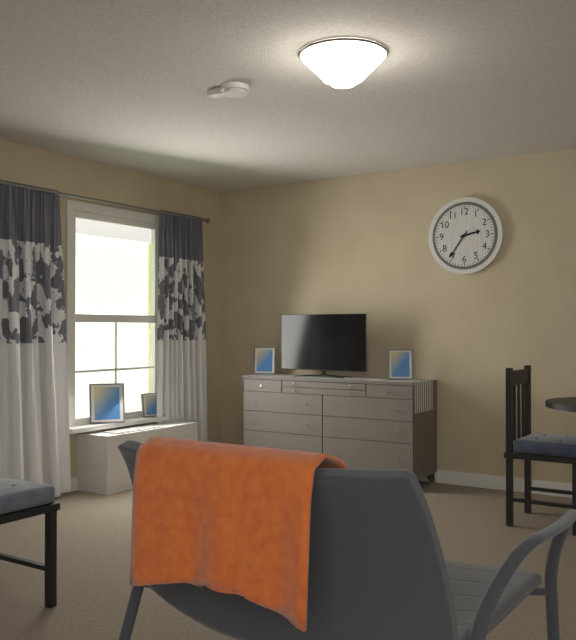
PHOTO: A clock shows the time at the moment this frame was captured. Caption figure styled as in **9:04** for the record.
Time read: **2:36**
